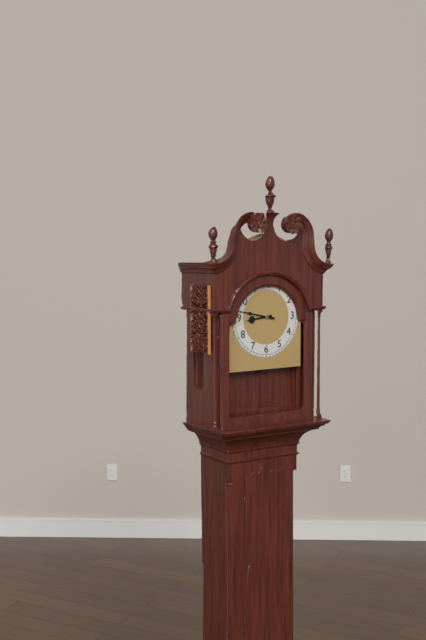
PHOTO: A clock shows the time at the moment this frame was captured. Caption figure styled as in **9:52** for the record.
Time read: **8:47**
